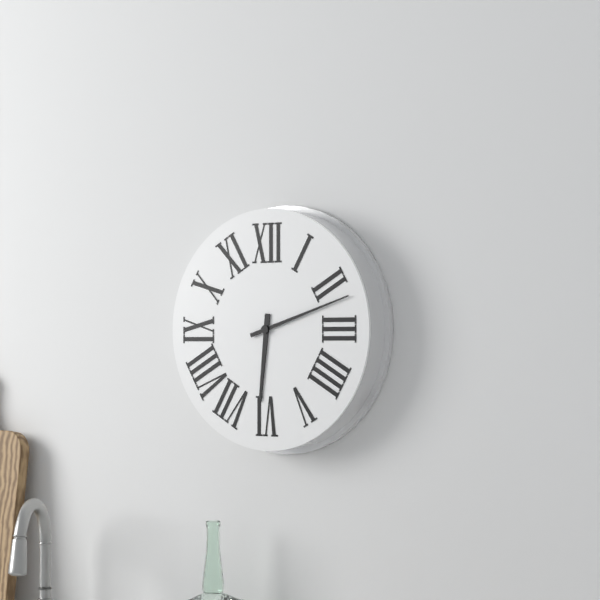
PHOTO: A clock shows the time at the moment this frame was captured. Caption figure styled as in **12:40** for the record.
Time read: **6:12**
